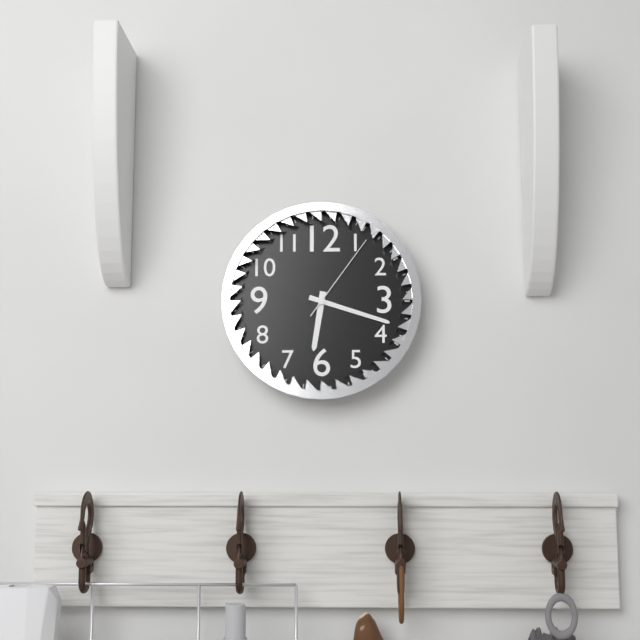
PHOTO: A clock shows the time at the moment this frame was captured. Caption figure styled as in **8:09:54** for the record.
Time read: **6:18:06**
